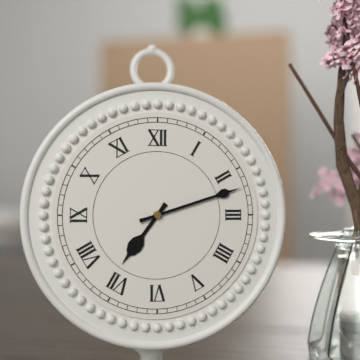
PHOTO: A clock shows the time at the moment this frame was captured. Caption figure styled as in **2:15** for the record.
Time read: **7:12**
